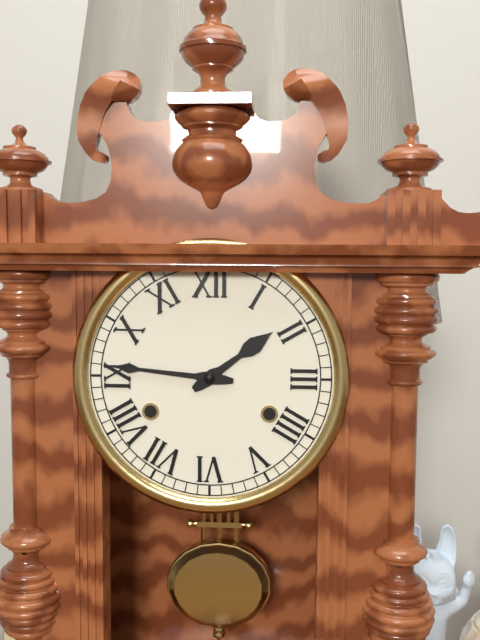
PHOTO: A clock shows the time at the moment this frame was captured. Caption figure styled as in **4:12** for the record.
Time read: **1:46**
